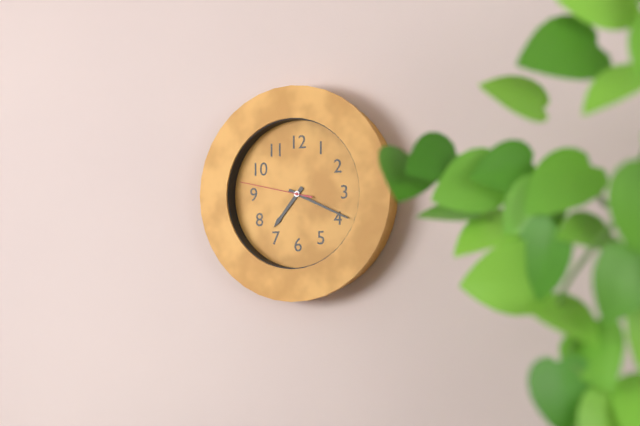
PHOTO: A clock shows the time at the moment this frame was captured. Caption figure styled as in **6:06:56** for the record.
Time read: **7:19:47**
